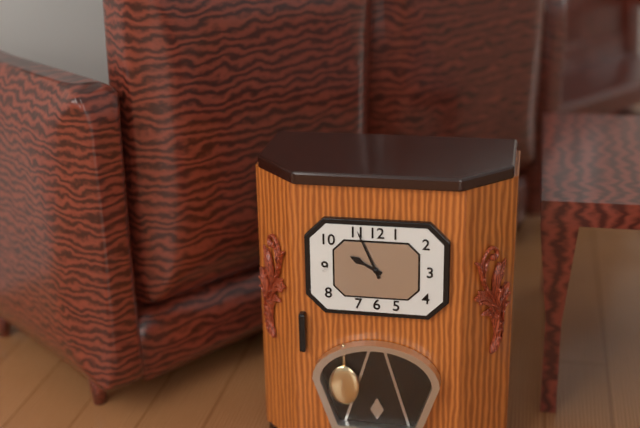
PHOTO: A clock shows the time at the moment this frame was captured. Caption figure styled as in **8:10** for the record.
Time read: **9:56**
